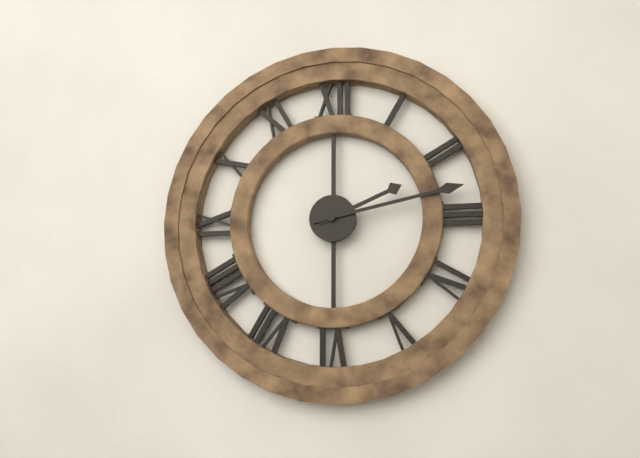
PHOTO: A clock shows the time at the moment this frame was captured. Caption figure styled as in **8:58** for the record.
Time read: **2:13**
